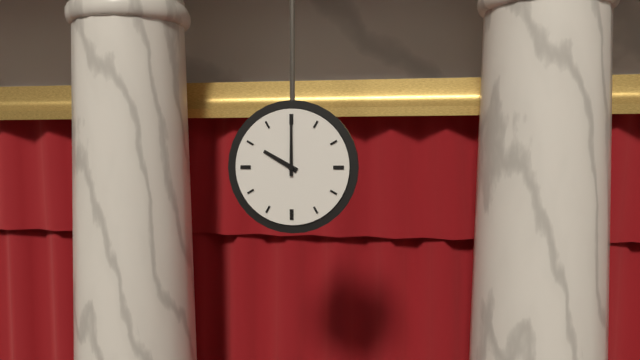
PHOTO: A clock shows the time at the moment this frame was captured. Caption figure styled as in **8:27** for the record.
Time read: **10:00**
